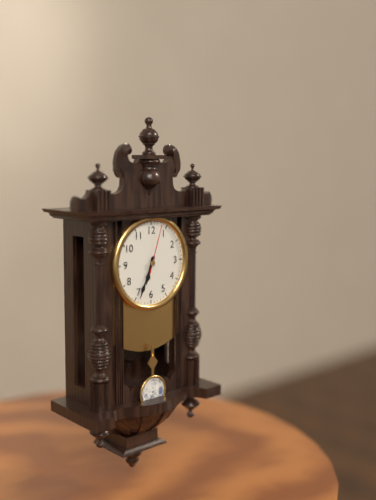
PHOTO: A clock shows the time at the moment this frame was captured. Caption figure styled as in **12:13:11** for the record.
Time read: **6:34:03**
